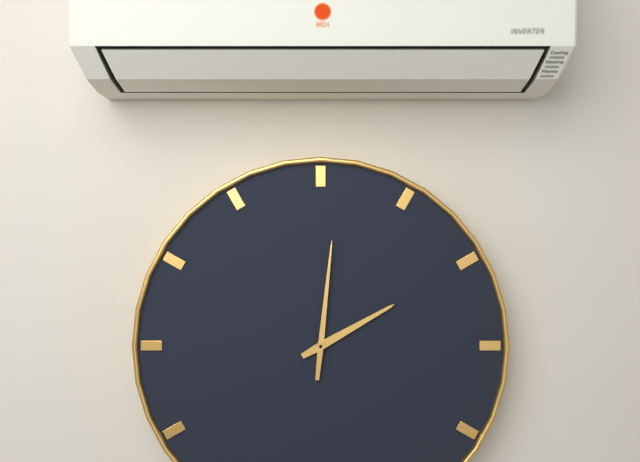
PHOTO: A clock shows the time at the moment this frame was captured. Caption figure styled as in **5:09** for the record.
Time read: **2:01**
